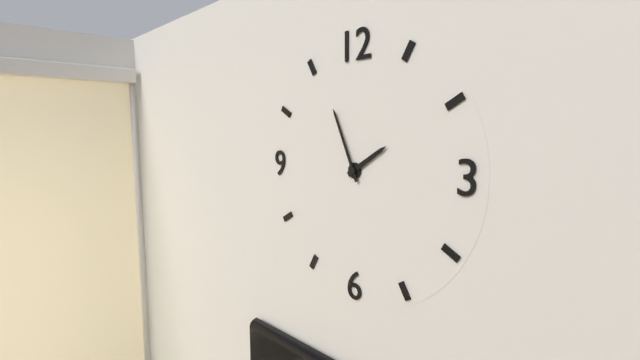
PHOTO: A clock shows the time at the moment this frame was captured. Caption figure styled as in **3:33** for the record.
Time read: **1:56**
